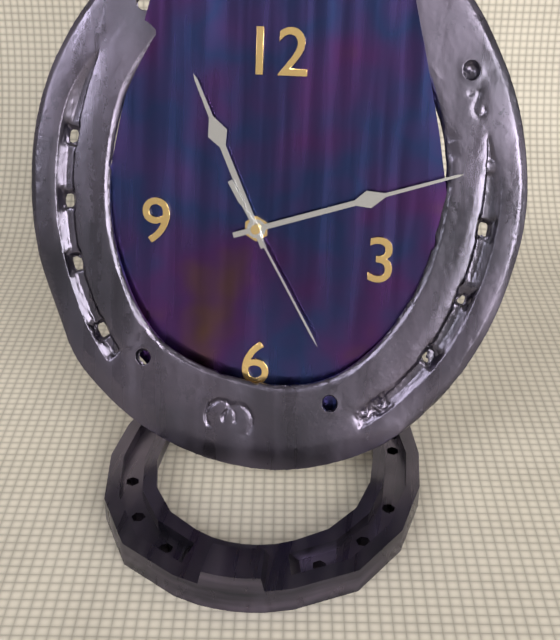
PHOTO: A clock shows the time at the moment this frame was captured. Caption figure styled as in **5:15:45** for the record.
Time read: **11:12:25**
